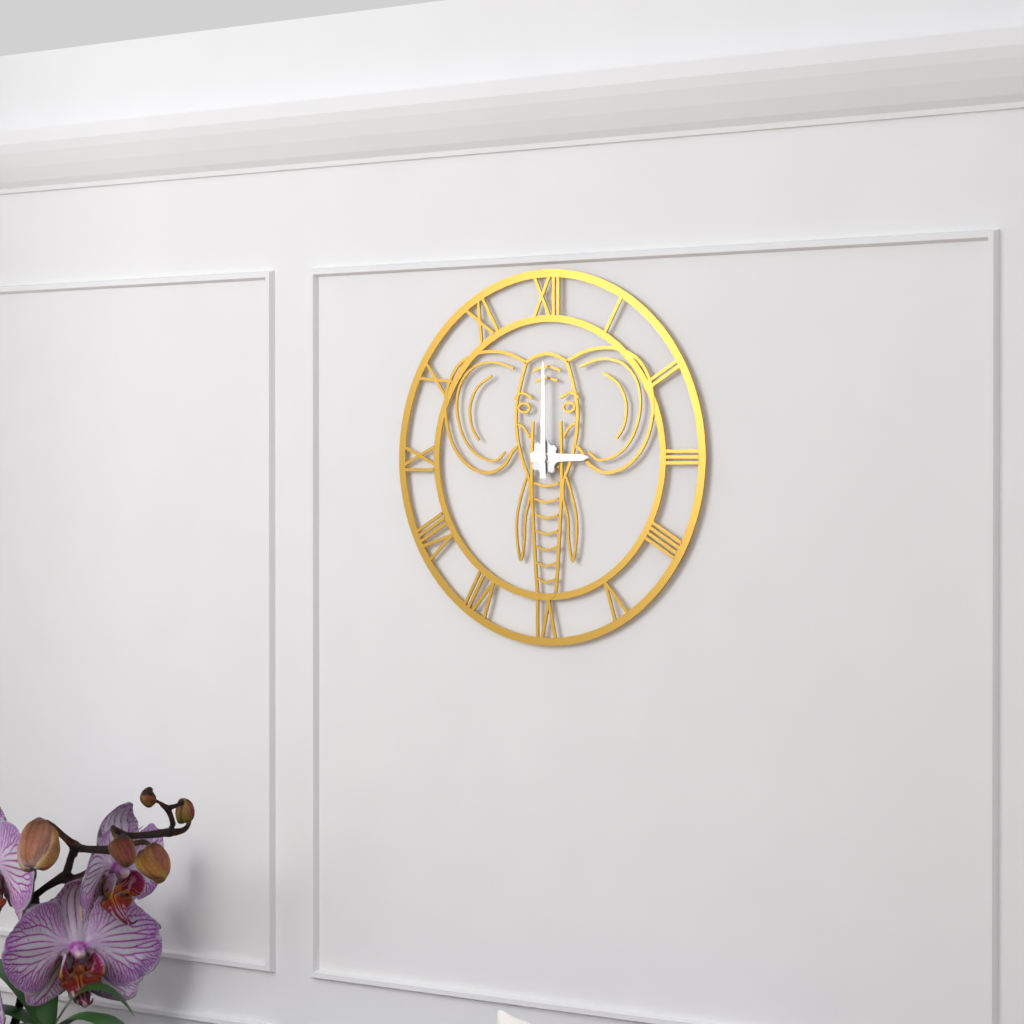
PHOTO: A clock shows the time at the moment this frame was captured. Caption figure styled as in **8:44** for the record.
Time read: **3:00**
